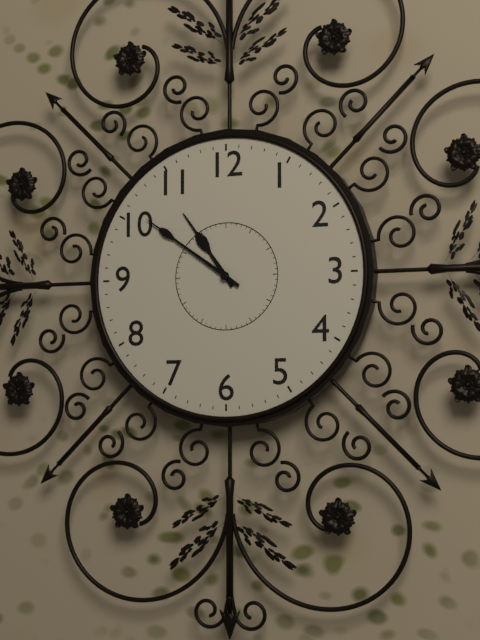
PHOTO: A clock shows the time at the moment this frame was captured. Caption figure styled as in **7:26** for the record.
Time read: **10:51**
